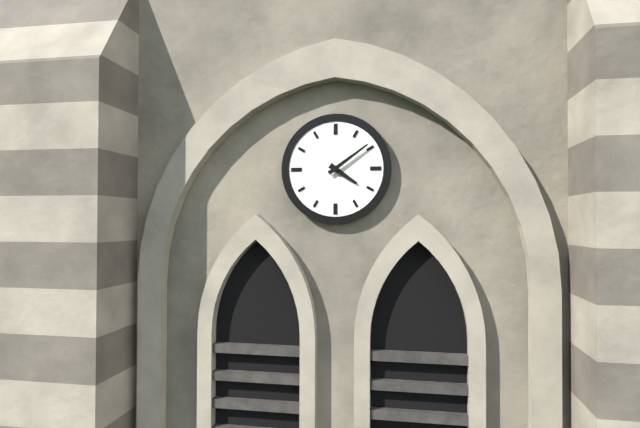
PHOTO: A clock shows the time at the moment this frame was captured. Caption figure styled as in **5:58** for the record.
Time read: **4:09**
